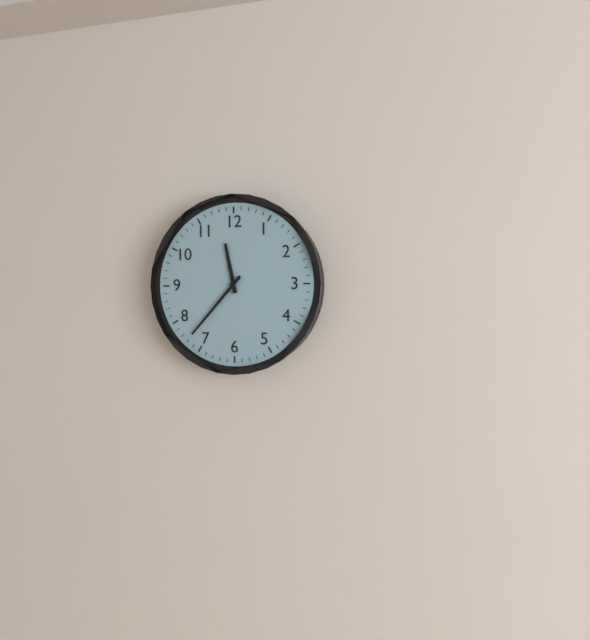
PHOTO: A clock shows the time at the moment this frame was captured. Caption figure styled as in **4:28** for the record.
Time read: **11:37**
